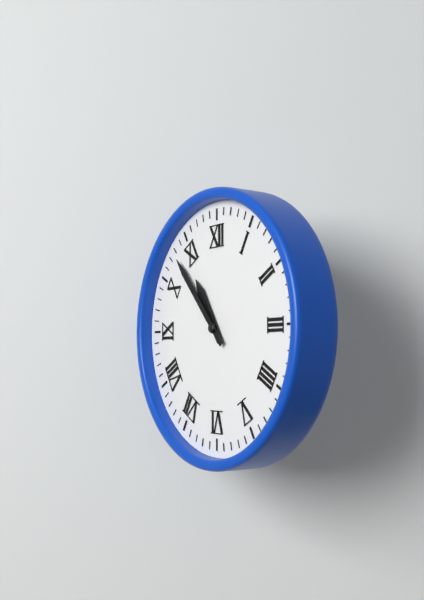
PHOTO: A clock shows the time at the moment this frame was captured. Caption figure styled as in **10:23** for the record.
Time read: **10:53**
